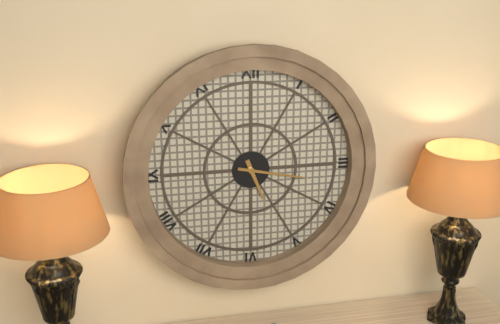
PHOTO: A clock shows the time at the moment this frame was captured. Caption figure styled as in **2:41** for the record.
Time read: **5:17**
